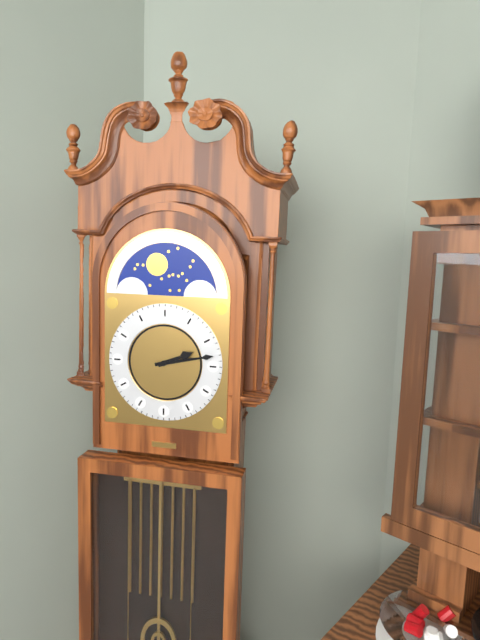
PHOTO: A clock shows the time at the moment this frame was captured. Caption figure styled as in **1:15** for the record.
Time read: **2:13**
